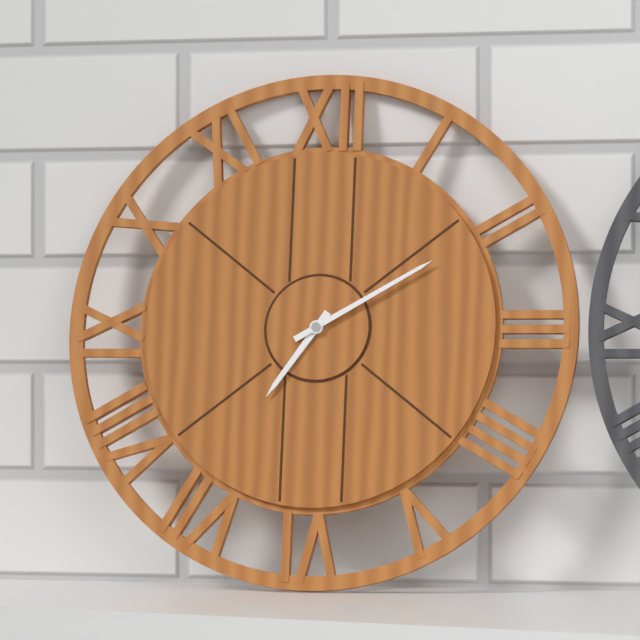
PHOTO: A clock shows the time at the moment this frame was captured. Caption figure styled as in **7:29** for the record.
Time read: **7:10**
